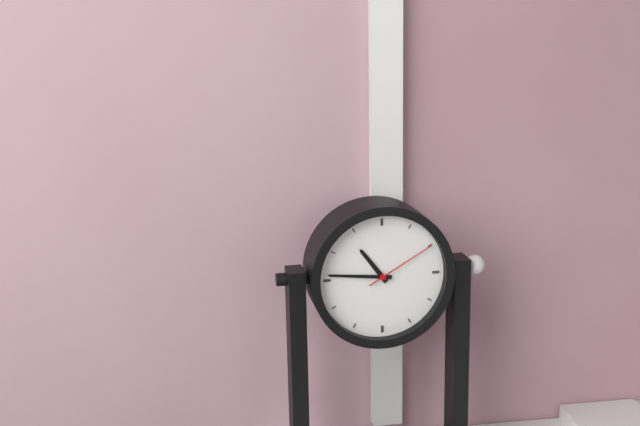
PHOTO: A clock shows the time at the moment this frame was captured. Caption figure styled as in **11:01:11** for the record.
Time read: **10:46:10**
